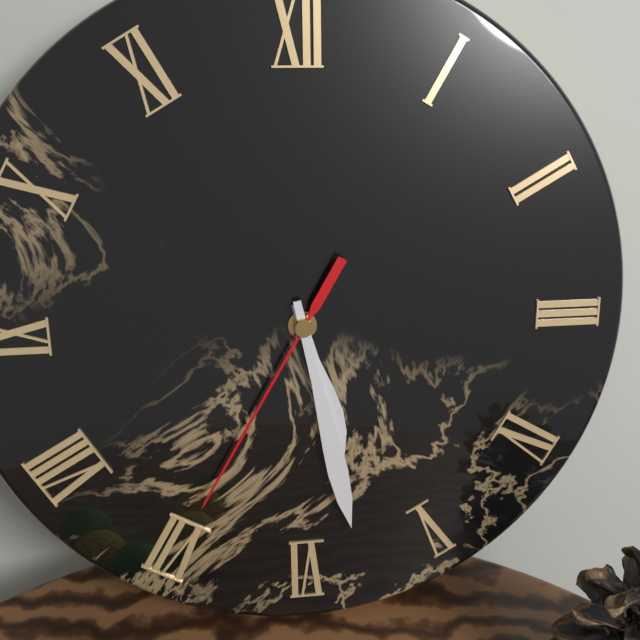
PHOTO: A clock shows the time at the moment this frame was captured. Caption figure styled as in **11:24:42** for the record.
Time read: **5:28:35**
